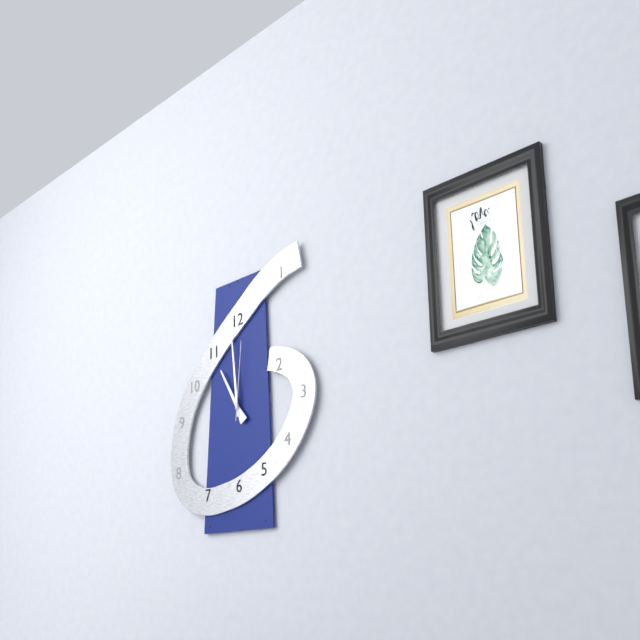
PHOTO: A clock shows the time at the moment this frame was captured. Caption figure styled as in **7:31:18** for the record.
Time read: **10:59:01**
